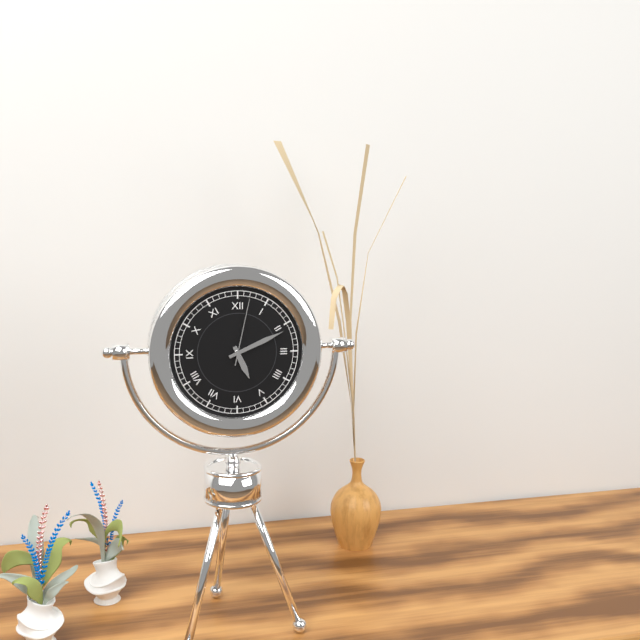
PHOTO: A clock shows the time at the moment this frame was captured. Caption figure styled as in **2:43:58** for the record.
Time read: **5:11:02**
